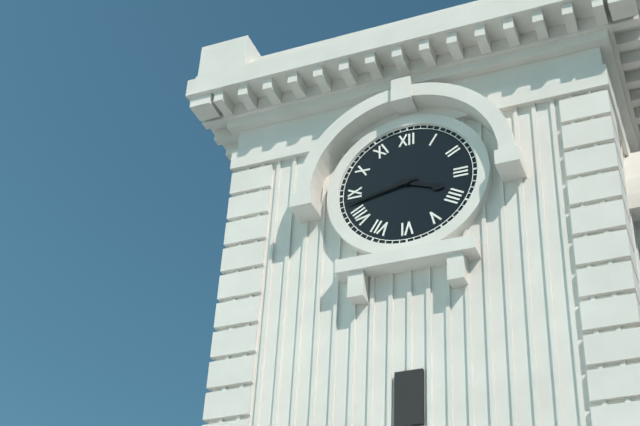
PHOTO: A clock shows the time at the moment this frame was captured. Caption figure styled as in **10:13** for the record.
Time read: **3:43**
